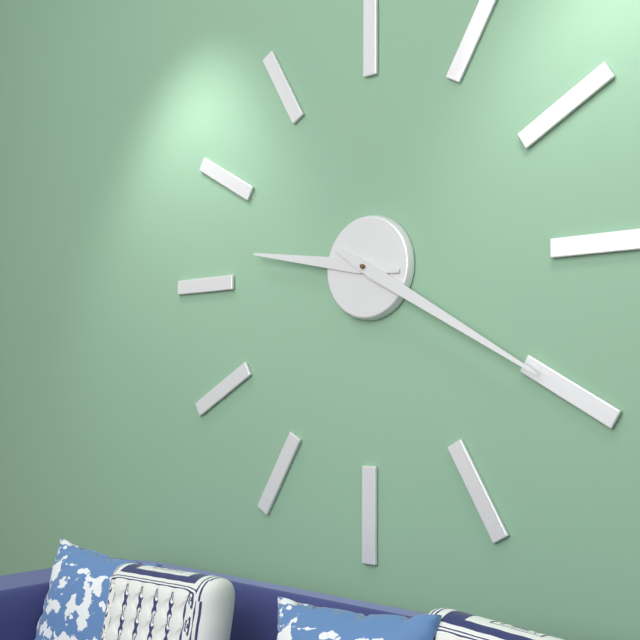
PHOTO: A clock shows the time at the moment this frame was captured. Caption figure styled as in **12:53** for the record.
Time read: **9:20**
